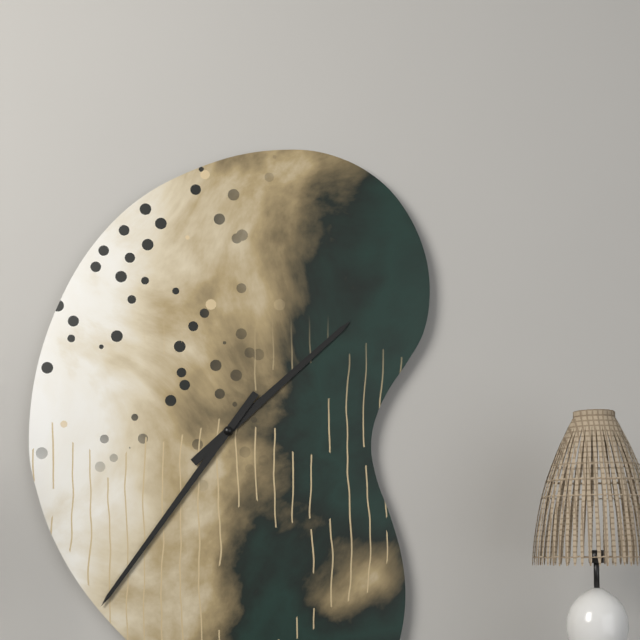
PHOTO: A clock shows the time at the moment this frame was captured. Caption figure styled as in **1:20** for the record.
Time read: **1:36**
